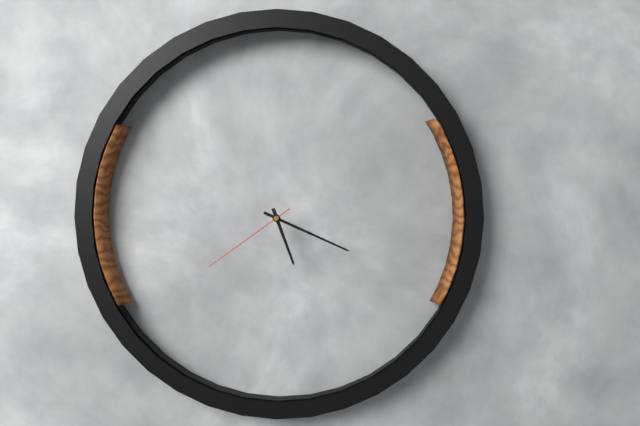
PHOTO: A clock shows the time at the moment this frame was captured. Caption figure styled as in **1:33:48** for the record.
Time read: **5:19:39**
